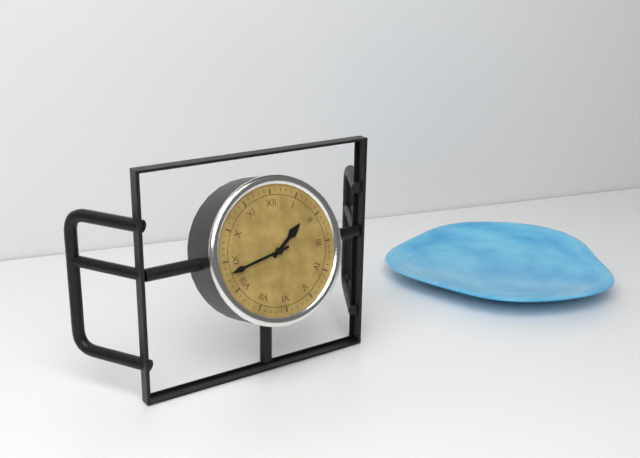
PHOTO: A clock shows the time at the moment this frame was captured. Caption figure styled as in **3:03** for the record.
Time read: **1:43**
